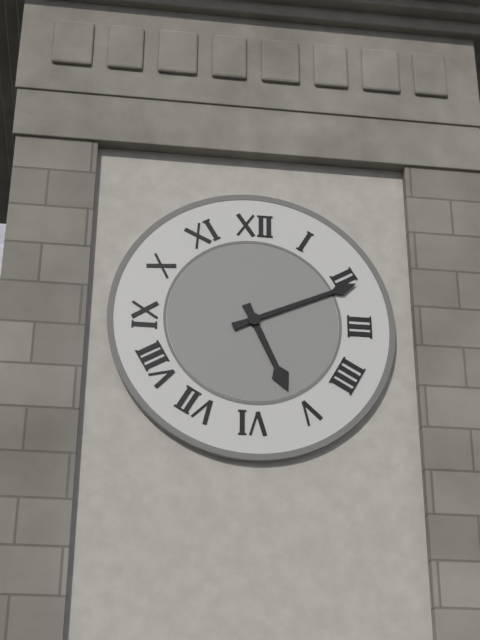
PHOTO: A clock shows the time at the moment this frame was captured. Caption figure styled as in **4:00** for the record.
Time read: **5:11**
